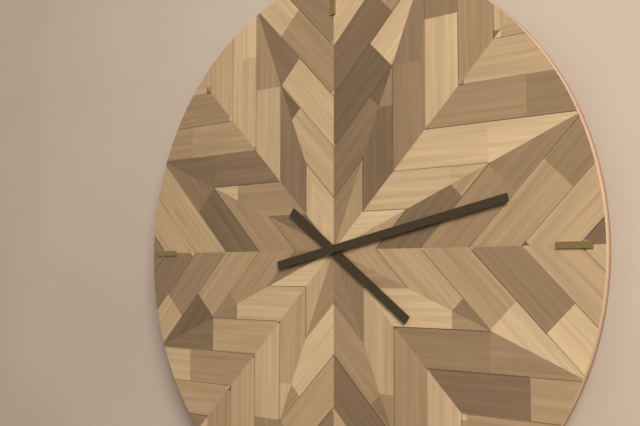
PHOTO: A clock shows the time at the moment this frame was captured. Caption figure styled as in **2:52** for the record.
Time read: **4:13**
